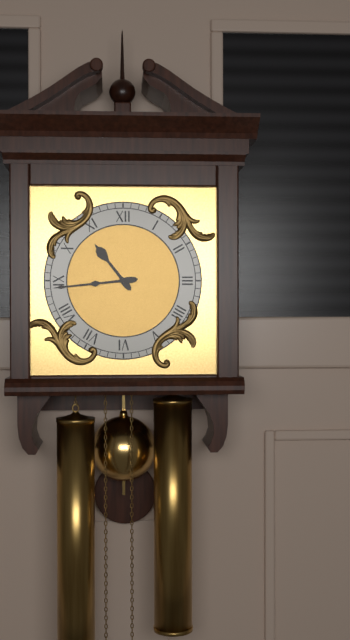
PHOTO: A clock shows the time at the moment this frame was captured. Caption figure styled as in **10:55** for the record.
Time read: **10:44**
